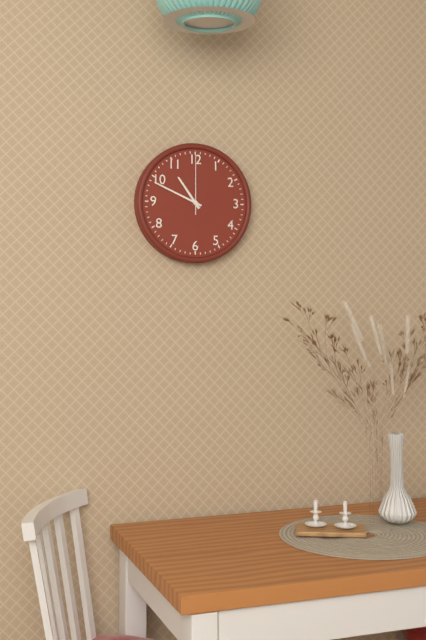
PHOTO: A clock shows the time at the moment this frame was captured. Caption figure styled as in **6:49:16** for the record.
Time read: **10:49:00**
